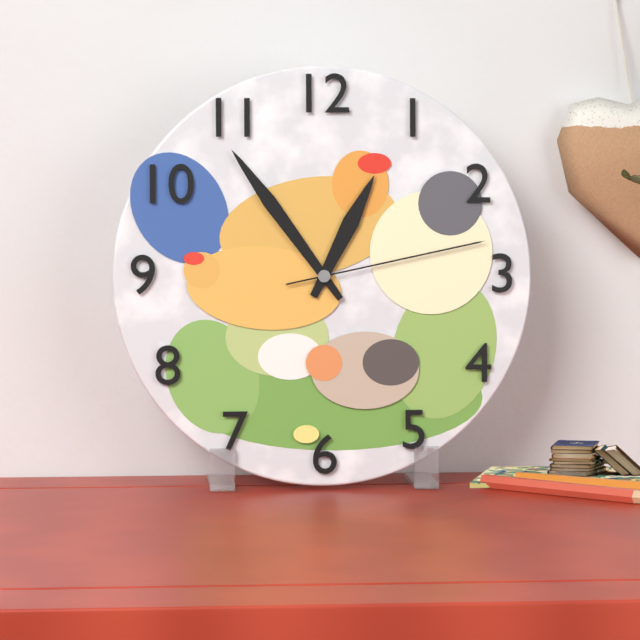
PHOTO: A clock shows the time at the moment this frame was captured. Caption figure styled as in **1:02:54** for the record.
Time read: **12:54:13**
